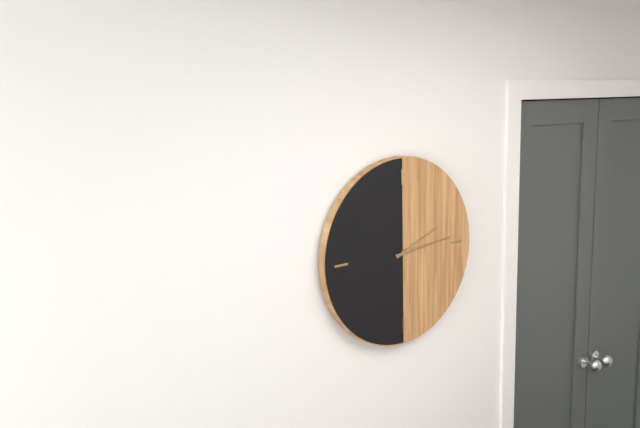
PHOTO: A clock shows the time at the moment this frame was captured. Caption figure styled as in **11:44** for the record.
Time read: **2:14**
